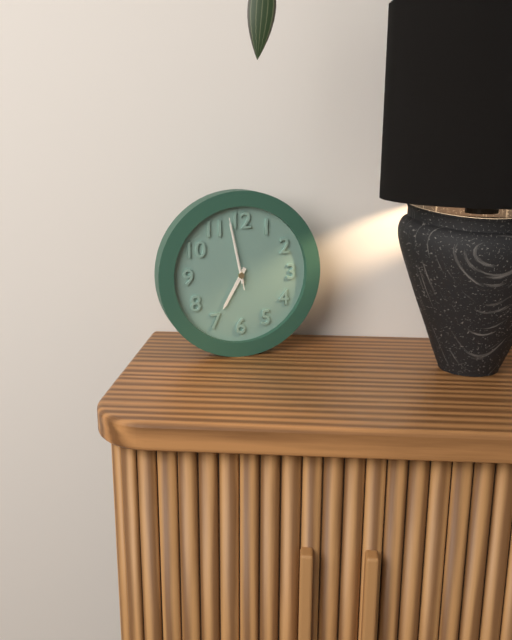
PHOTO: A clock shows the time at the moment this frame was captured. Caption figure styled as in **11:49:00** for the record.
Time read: **6:58:58**
